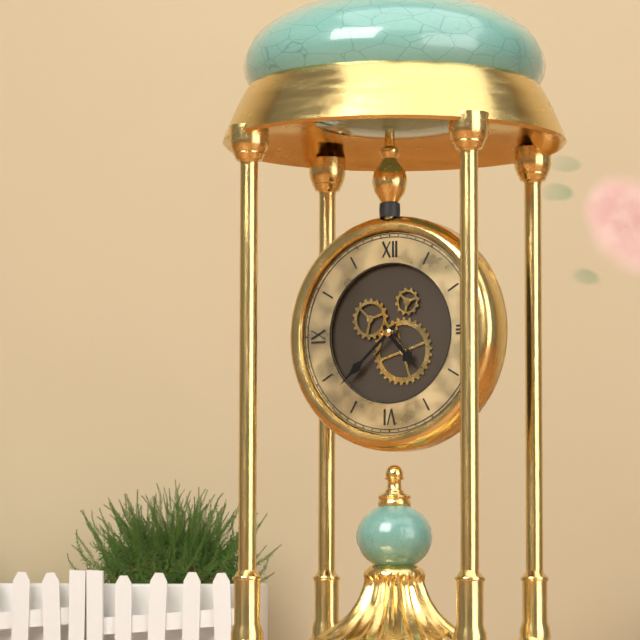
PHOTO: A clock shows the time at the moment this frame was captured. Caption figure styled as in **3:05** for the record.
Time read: **4:38**
